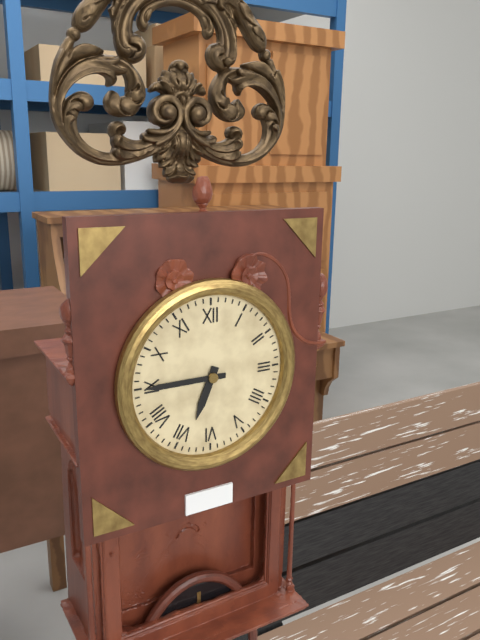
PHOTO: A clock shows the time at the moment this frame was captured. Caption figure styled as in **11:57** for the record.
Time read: **6:45**
